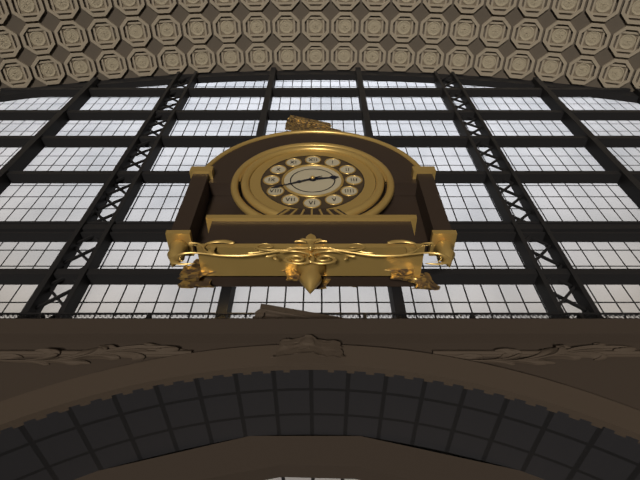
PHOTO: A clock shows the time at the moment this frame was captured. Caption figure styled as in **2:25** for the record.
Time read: **2:41**
